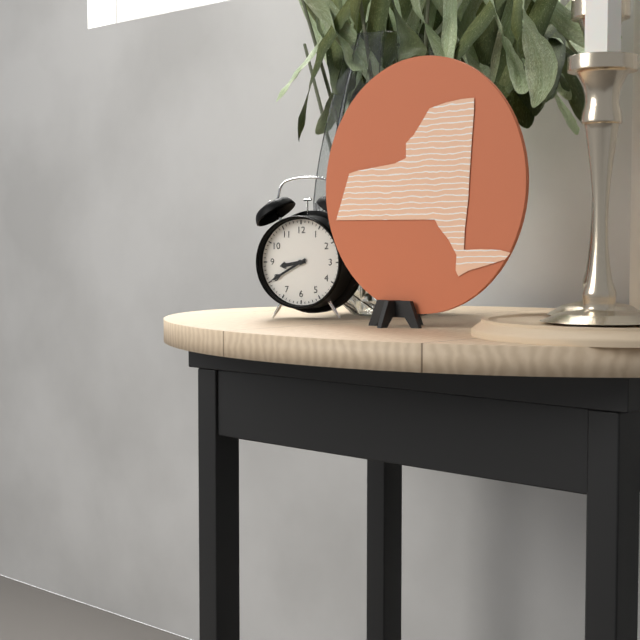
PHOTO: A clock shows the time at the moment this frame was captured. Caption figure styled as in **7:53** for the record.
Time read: **8:40**
